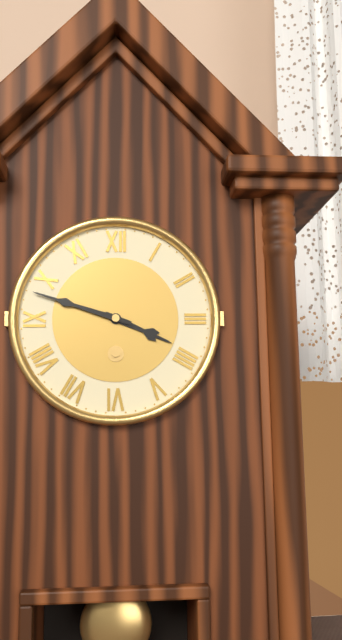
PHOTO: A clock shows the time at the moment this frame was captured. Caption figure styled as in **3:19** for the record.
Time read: **3:48**
